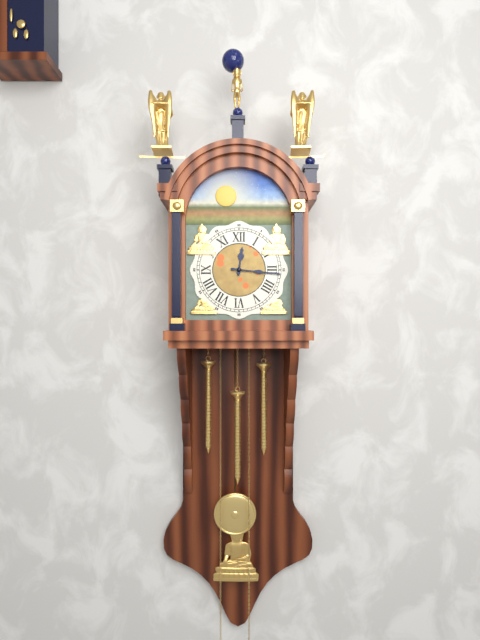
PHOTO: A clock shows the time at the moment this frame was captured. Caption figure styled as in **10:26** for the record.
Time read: **12:16**
